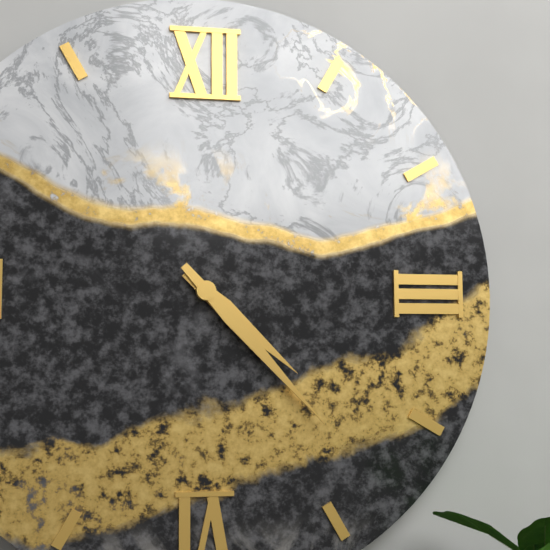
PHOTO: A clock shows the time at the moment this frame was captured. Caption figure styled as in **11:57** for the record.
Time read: **4:23**
